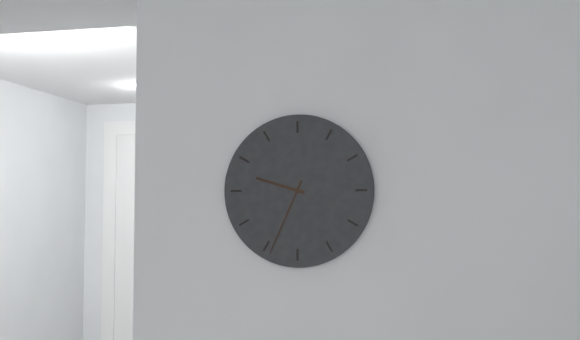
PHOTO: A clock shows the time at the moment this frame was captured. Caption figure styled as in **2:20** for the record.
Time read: **9:34**
